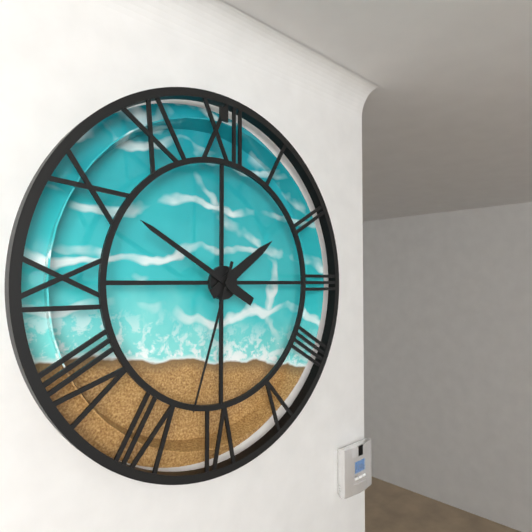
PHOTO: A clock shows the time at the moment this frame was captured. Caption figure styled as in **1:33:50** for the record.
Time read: **1:50:33**
